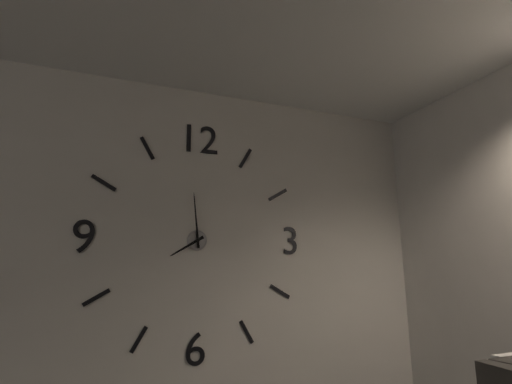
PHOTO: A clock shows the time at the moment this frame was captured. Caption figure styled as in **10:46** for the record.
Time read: **7:59**
